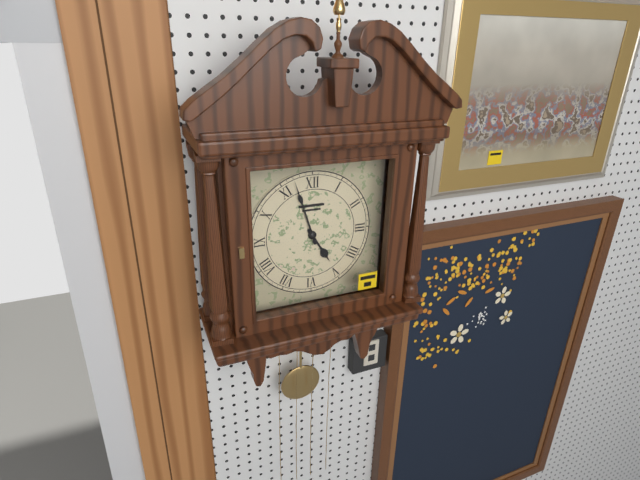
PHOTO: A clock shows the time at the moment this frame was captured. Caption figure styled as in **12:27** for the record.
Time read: **4:57**
